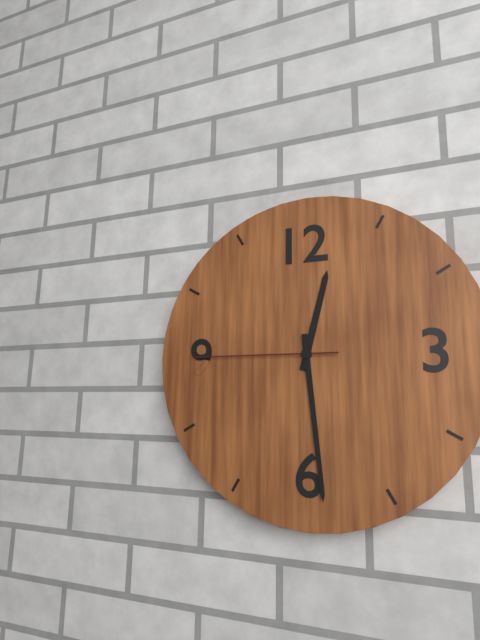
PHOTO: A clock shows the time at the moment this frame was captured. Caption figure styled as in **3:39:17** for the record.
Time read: **12:29:45**
